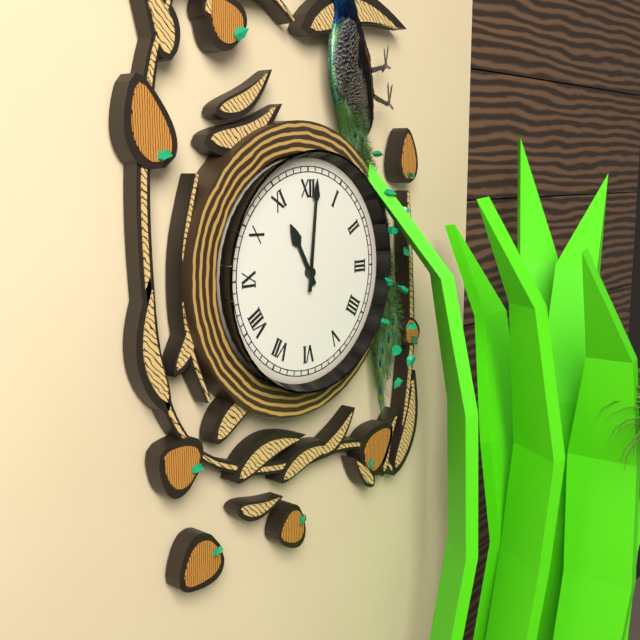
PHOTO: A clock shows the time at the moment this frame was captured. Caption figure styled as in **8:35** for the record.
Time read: **11:01**
